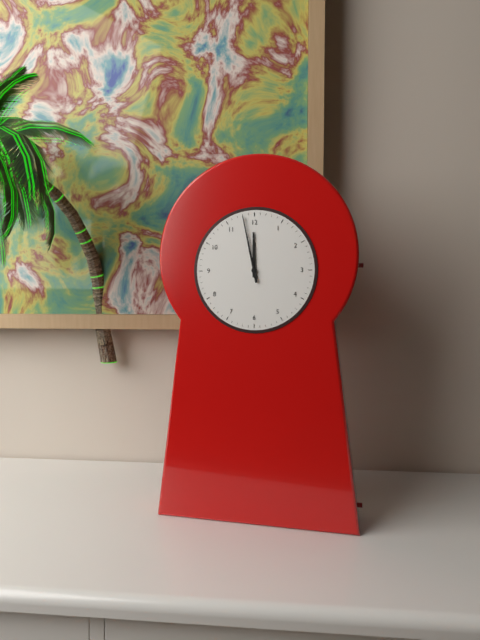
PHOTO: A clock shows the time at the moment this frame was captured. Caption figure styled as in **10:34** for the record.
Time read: **11:58**
